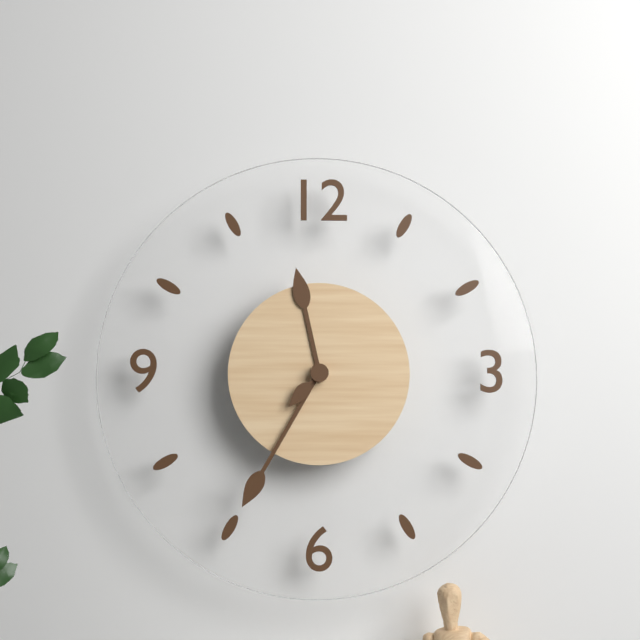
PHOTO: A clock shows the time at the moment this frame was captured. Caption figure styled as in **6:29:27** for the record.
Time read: **11:35:37**
